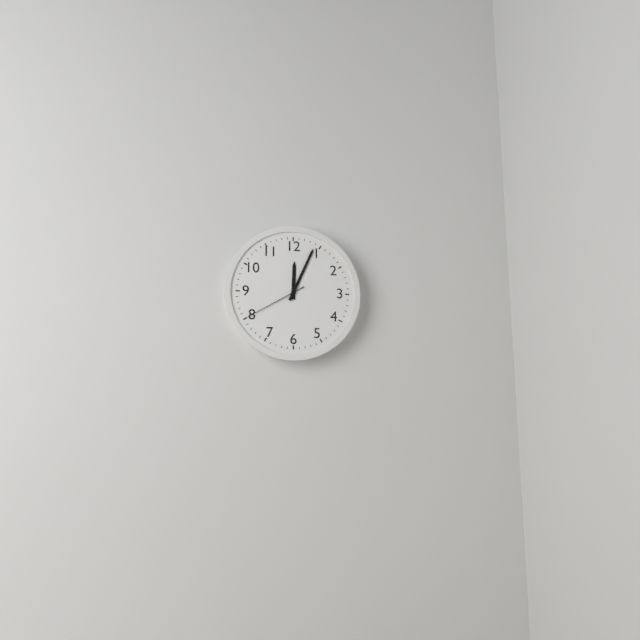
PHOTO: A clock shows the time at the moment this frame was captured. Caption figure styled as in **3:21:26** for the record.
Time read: **12:04:40**
